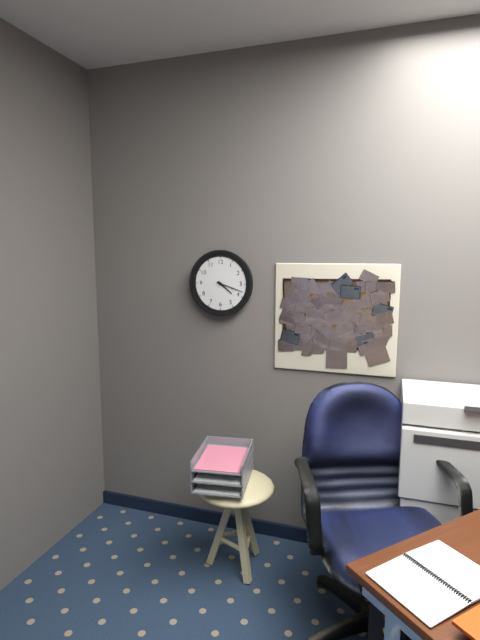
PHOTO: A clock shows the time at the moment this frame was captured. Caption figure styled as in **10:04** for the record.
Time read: **4:18**
